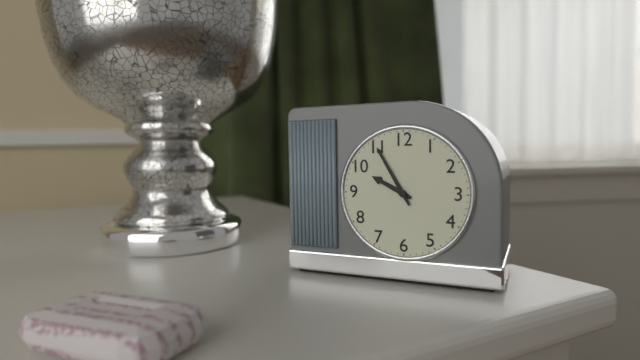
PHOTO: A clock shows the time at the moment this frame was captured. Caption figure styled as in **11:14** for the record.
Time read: **9:55**
